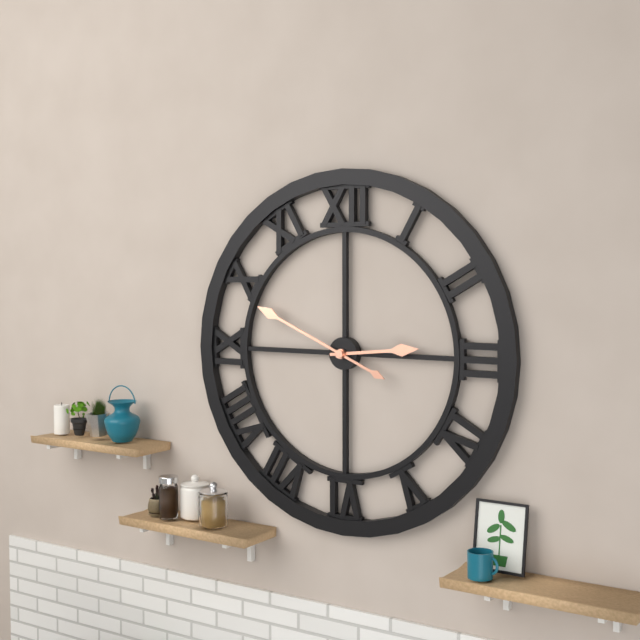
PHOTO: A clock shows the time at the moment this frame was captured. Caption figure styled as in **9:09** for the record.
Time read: **2:49**
